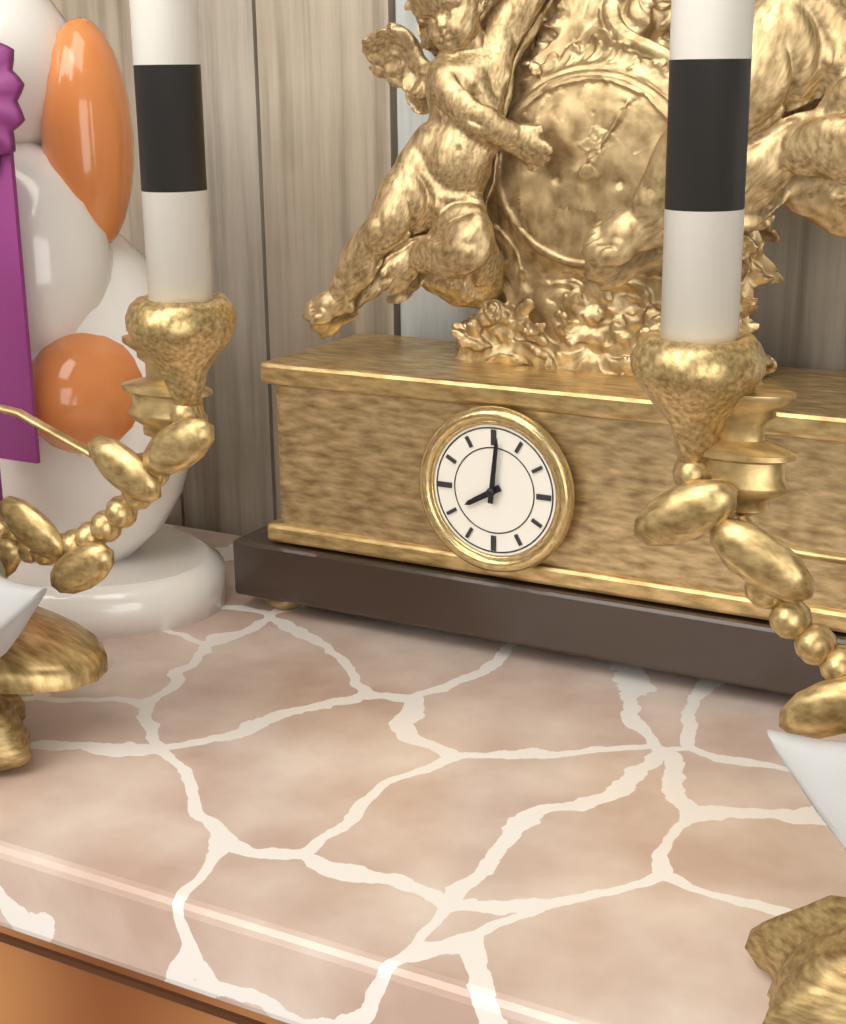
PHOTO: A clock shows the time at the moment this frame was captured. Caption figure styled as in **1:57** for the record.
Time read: **8:01**
